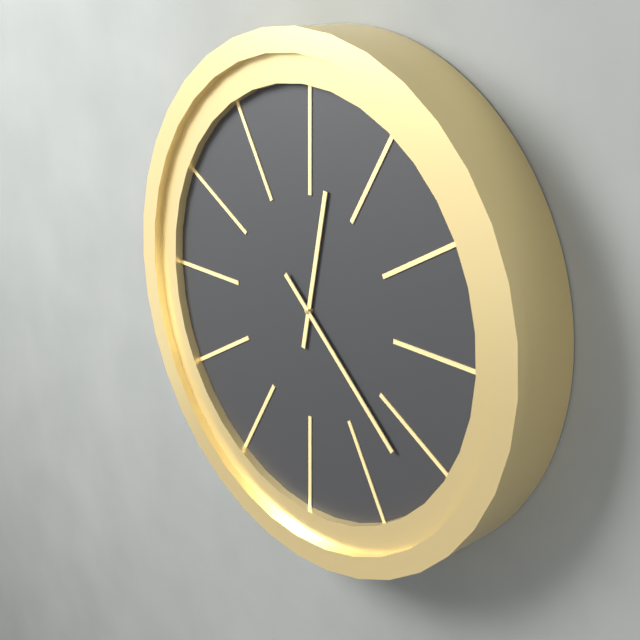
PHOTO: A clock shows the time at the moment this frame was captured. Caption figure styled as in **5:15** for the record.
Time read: **12:22**
